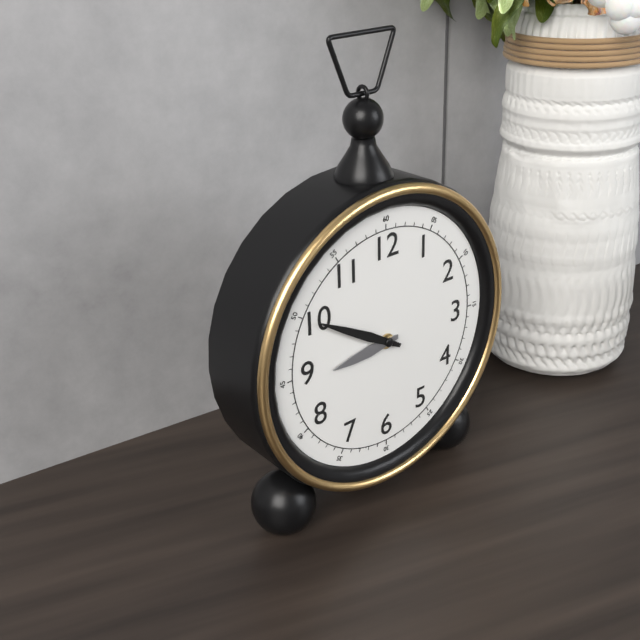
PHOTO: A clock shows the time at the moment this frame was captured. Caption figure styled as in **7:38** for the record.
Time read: **8:50**
